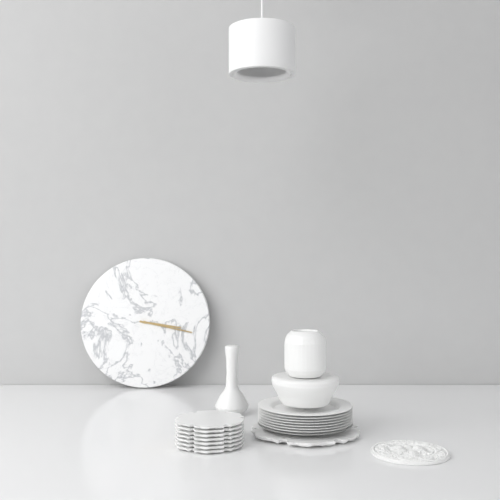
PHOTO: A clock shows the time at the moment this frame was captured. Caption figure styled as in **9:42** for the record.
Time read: **3:17**
